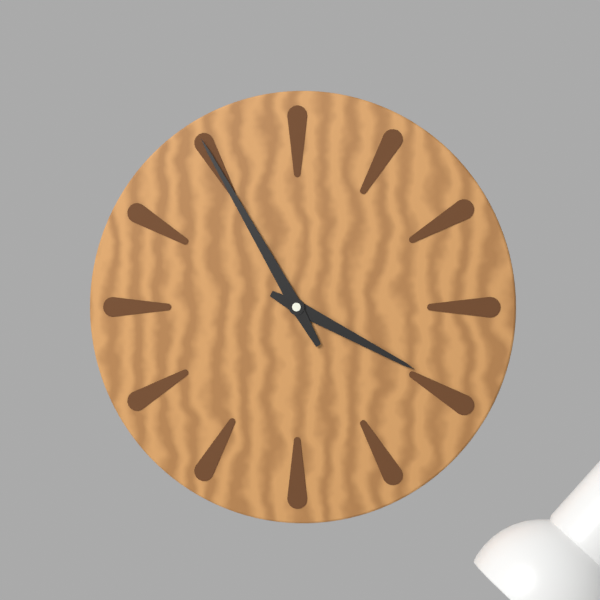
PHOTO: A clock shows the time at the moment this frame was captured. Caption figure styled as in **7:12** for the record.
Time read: **3:55**
